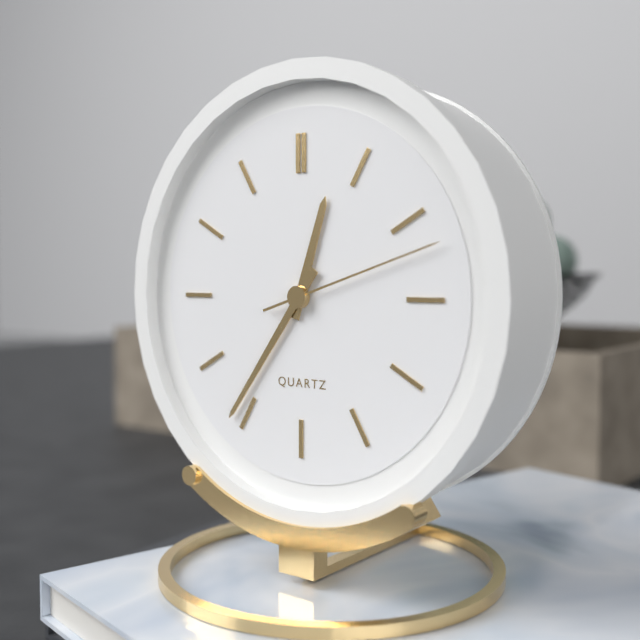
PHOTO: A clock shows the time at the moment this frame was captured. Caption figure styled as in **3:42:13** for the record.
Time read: **12:36:12**
